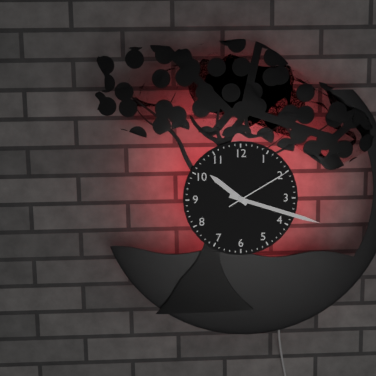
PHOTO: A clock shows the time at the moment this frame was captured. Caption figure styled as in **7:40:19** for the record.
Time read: **10:18:10**
